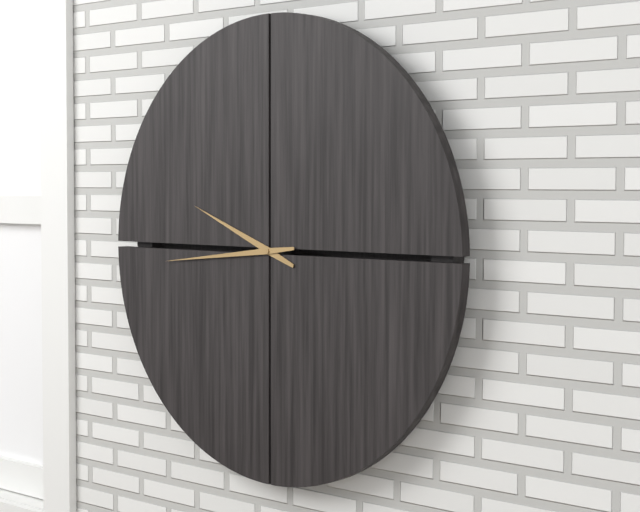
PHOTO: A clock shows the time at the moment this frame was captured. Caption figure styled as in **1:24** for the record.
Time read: **9:44**
